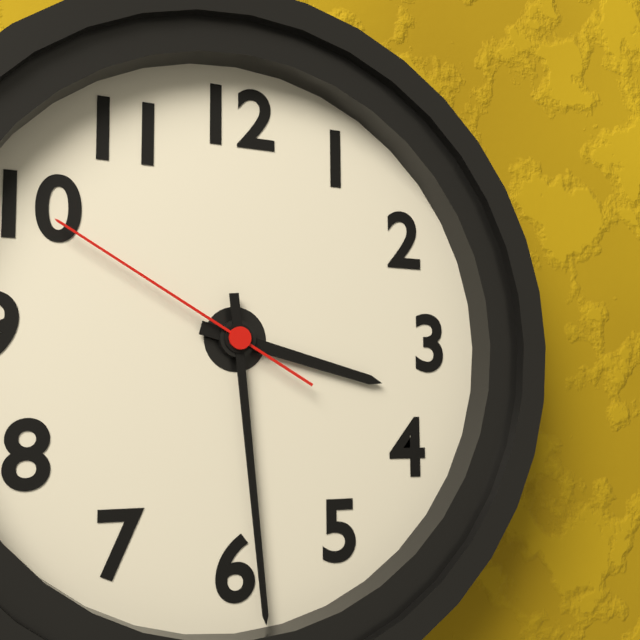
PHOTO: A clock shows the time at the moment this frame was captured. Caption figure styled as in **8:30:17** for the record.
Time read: **3:29:50**
